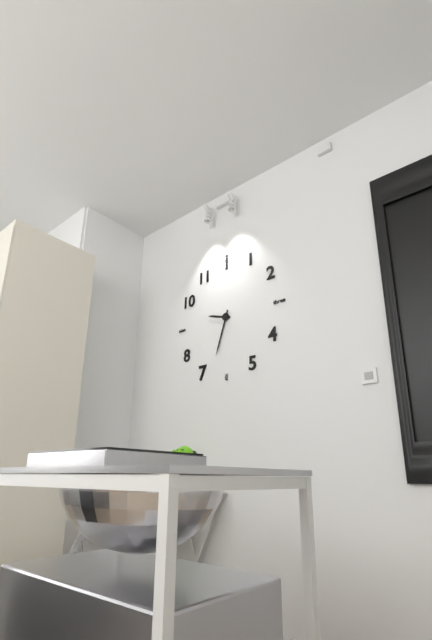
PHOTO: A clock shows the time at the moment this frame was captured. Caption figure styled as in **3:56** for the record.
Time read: **9:33**
